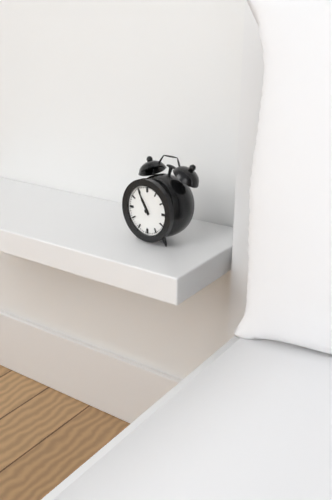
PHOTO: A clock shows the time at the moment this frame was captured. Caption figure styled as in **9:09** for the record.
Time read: **10:55**
